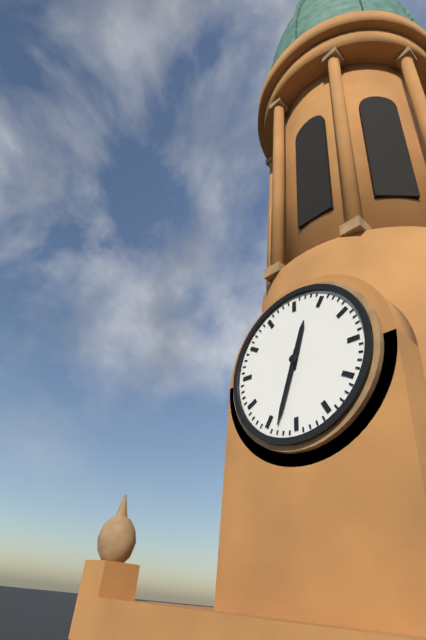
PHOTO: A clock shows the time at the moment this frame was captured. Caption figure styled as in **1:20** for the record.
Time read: **12:33**
